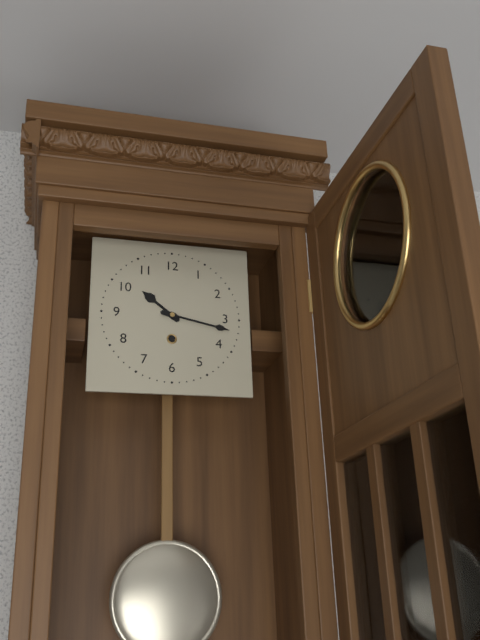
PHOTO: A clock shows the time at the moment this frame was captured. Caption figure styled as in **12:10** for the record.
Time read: **10:17**
